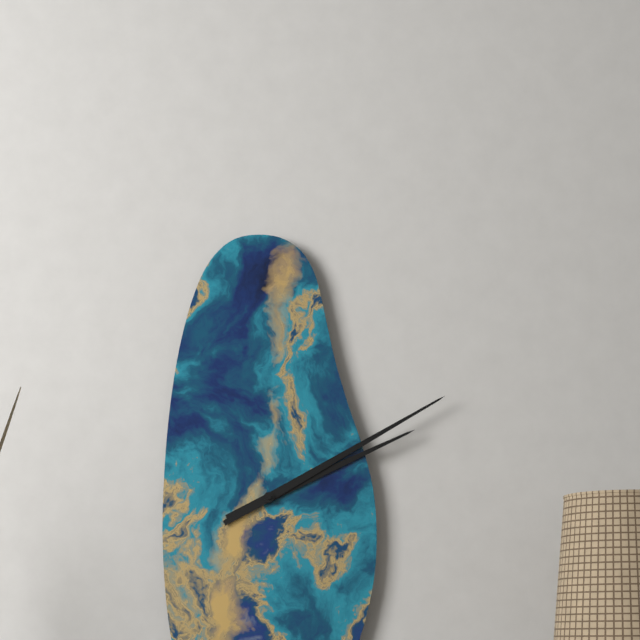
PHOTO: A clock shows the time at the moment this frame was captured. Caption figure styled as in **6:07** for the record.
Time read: **2:10**
